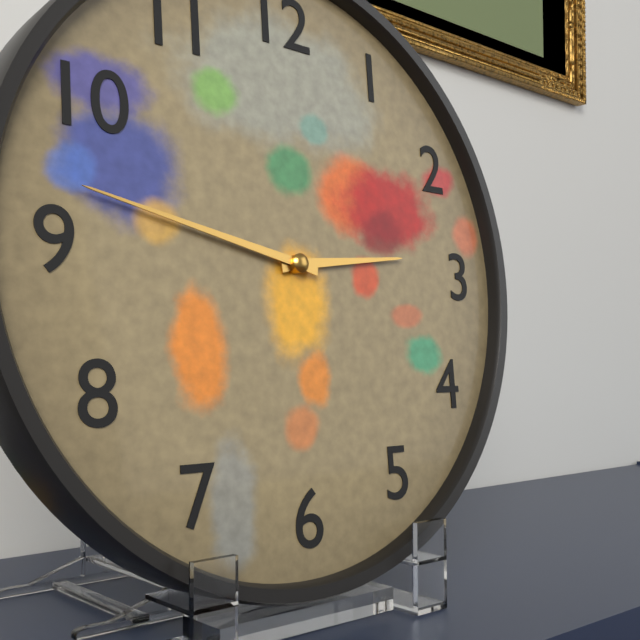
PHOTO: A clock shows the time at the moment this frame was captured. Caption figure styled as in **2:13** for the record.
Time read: **2:47**
